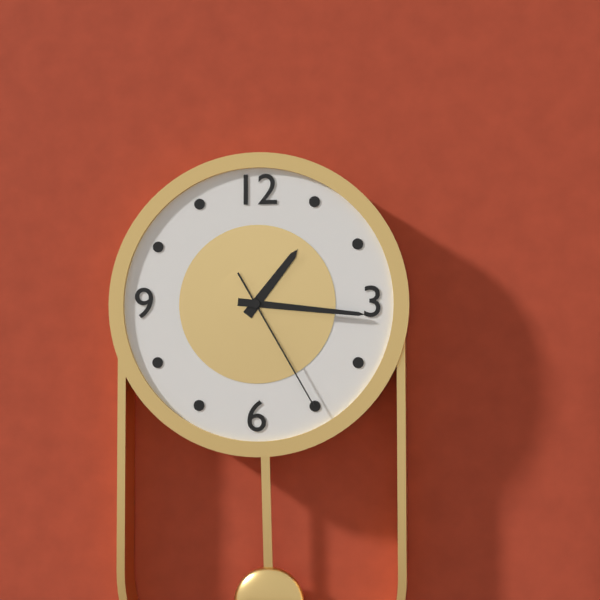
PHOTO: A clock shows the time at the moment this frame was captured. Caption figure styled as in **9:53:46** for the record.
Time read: **1:16:25**
